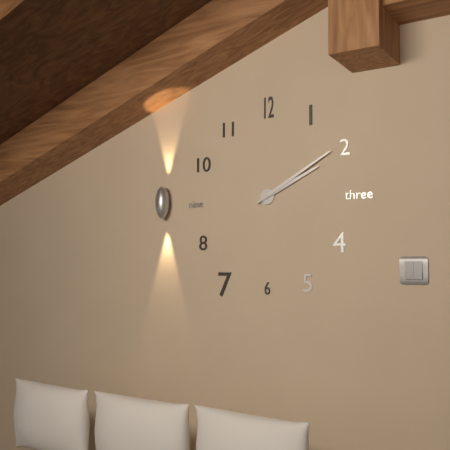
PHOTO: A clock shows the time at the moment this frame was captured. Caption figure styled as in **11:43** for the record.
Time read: **2:10**
